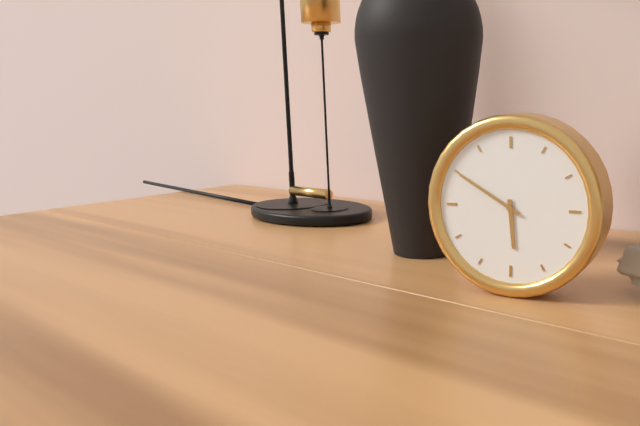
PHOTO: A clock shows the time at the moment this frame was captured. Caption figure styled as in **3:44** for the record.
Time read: **5:50**
